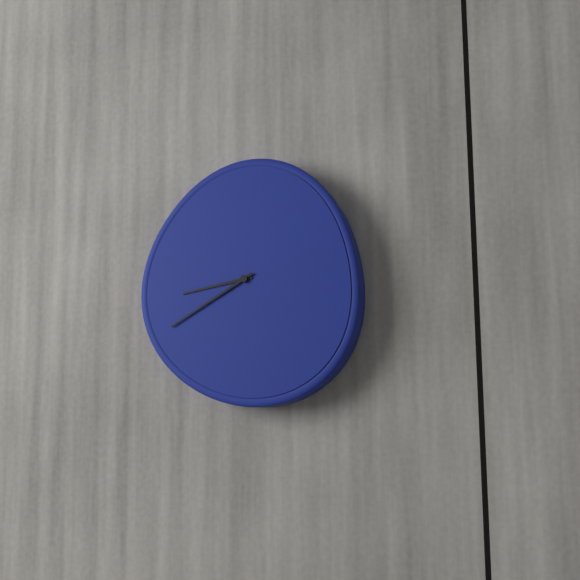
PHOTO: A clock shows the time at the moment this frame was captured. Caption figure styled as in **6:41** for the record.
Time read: **8:40**
